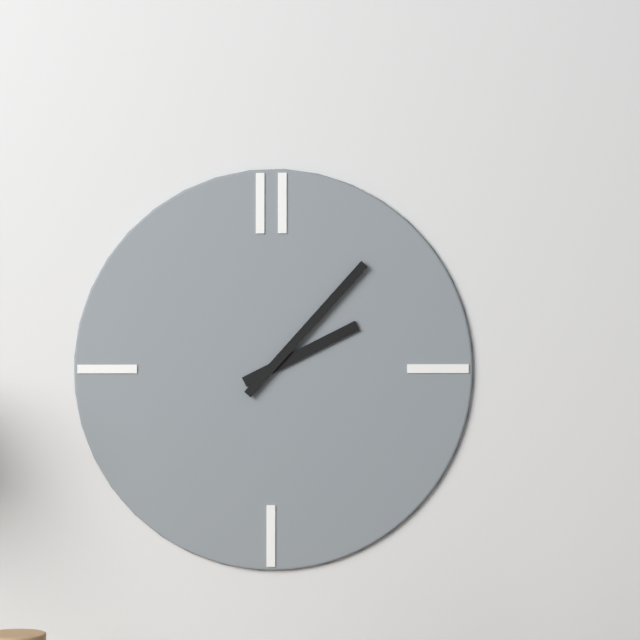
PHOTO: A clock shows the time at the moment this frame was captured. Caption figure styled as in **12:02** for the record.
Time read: **2:07**
